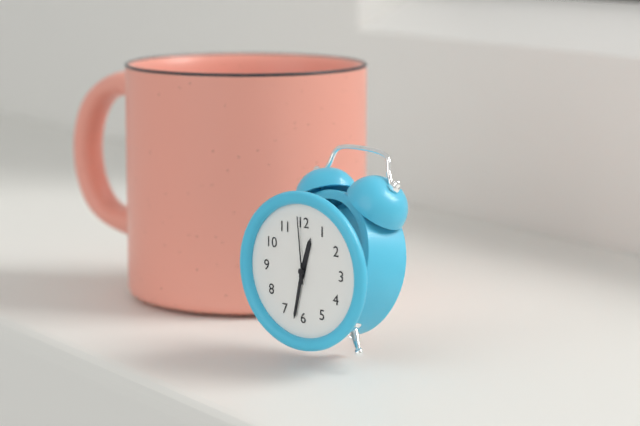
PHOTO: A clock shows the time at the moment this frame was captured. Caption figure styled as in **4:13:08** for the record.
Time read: **12:32:59**
